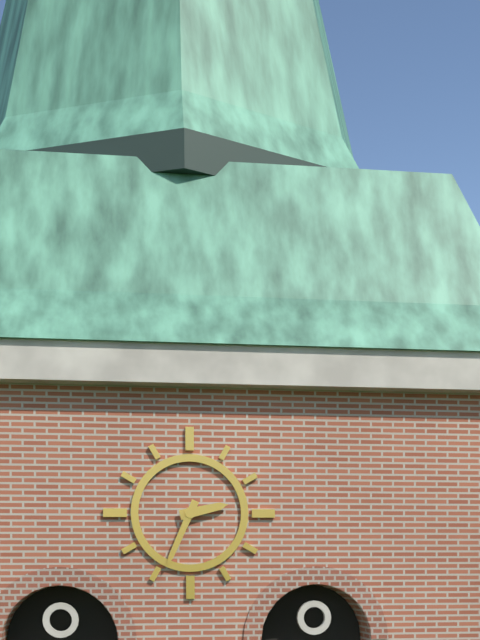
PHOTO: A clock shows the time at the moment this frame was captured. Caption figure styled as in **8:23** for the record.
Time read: **2:34**
